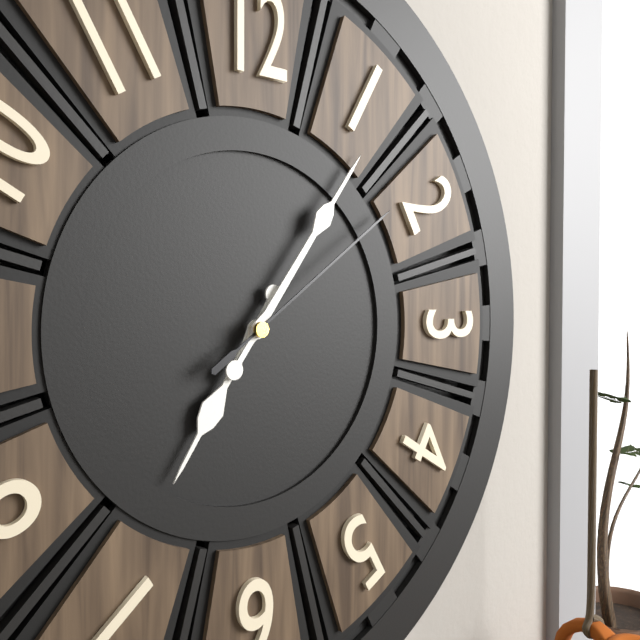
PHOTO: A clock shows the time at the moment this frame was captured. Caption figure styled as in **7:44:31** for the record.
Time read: **7:06:09**
